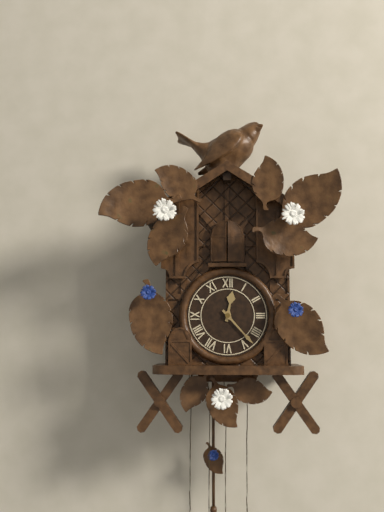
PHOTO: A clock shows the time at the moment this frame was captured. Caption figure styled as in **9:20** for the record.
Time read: **12:23**
